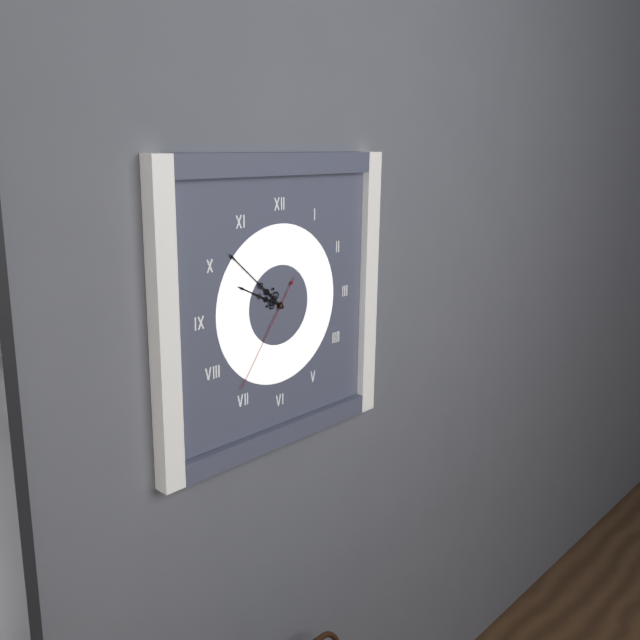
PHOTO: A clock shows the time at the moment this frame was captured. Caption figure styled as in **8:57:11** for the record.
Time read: **9:52:36**
